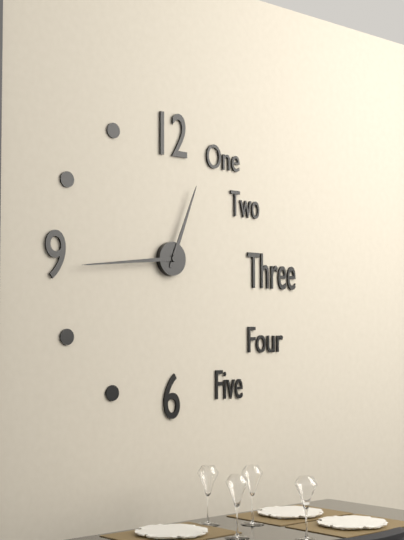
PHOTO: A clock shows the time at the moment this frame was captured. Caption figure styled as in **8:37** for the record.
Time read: **12:44**
